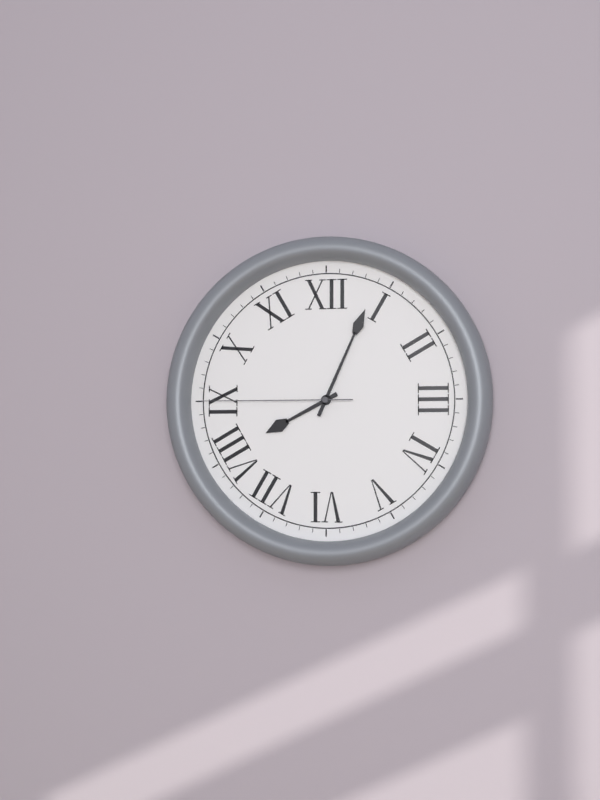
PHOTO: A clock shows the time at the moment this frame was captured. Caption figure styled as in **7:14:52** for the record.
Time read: **8:04:45**
